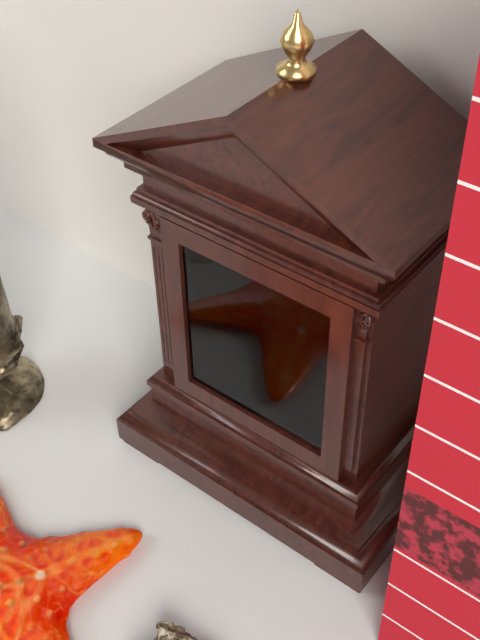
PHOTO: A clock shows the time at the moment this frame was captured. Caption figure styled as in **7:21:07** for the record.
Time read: **2:30:44**
